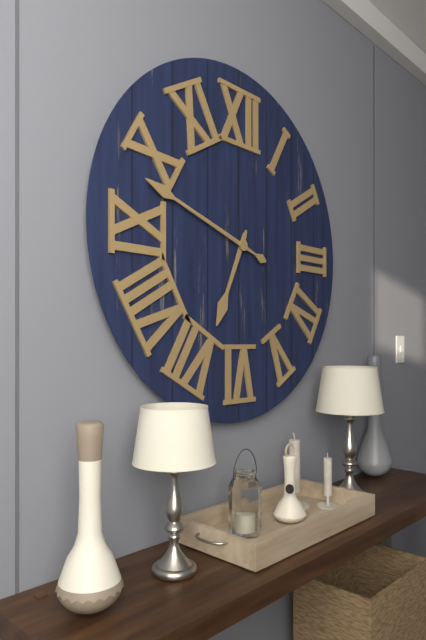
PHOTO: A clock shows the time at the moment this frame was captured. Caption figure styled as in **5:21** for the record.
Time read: **6:48**
